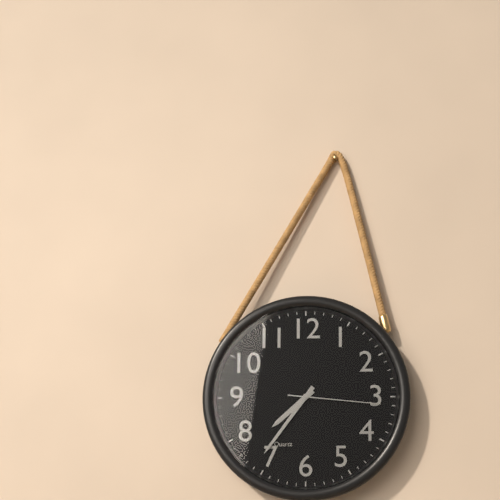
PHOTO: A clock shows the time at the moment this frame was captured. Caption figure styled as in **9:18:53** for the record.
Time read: **7:36:16**
